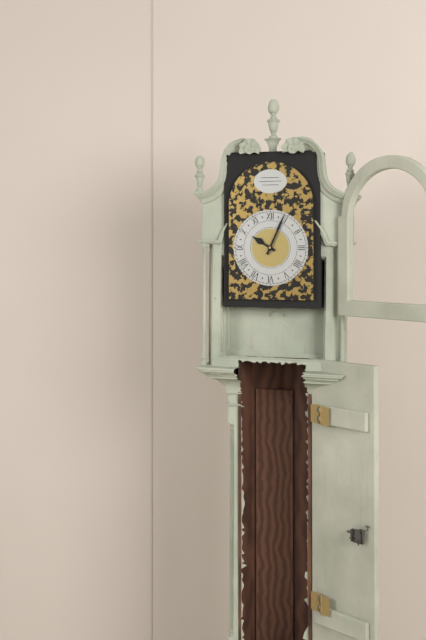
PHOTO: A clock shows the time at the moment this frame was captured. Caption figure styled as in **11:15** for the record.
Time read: **10:04**
